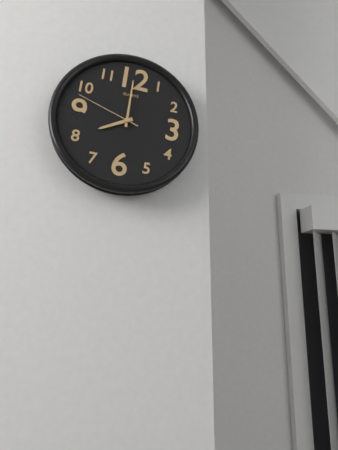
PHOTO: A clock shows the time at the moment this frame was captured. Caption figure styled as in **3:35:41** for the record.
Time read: **8:00:48**
